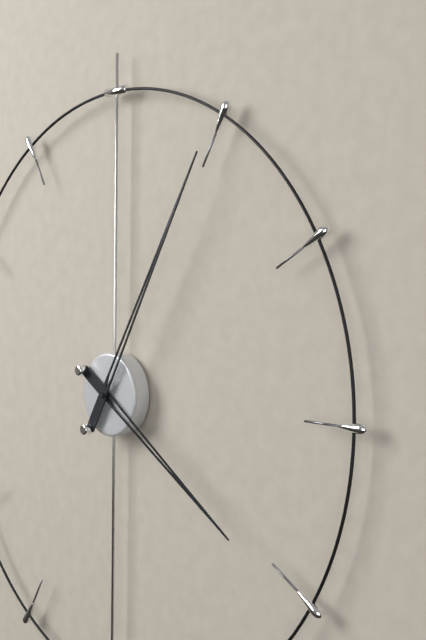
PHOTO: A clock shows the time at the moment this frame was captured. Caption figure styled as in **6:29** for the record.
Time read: **4:05**
